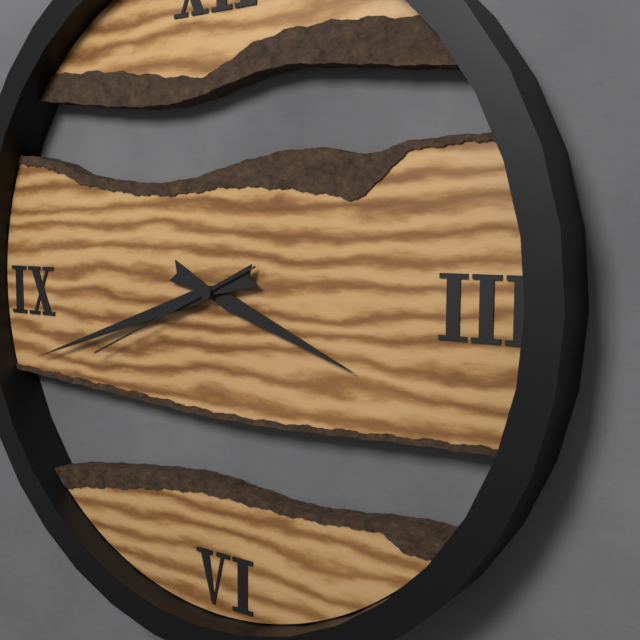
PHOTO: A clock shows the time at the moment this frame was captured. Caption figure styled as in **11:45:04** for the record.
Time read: **3:42:41**
